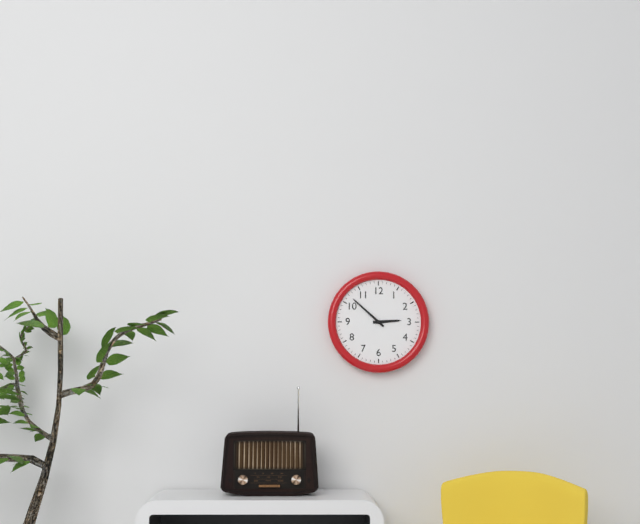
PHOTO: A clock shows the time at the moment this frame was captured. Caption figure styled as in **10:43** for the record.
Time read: **2:52**
